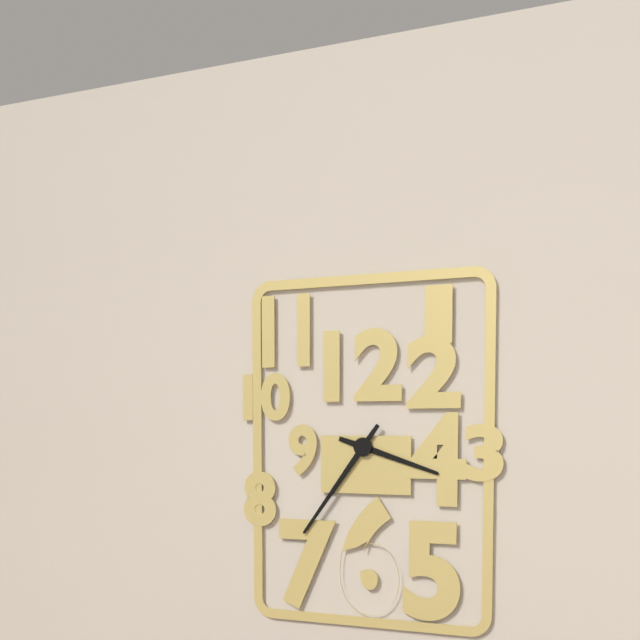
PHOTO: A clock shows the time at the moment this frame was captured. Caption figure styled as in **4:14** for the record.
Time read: **3:36**
